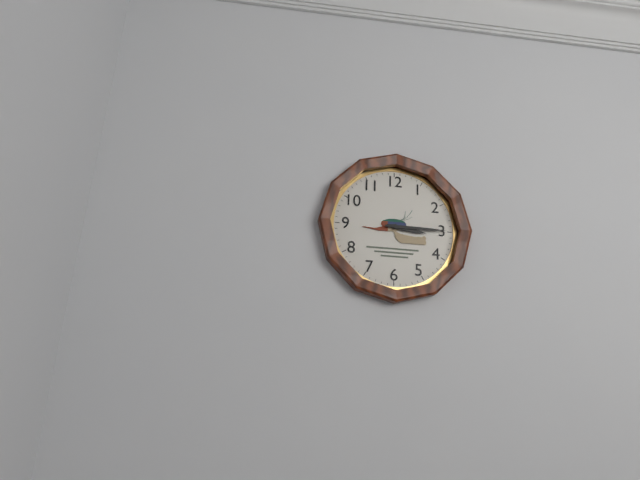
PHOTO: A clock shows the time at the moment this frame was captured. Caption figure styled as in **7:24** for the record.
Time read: **3:15**
